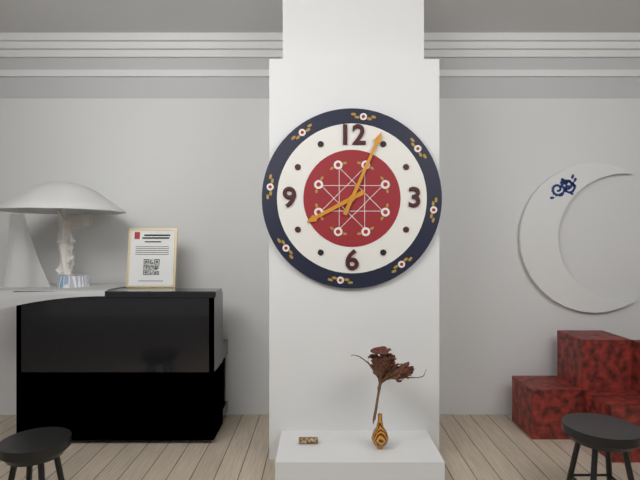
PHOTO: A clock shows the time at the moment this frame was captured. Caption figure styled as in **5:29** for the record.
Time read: **8:04**
